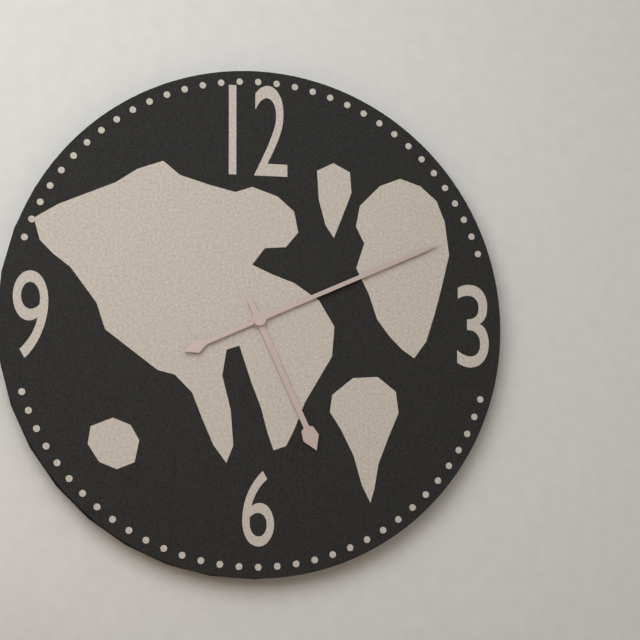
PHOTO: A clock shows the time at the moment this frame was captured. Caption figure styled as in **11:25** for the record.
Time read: **5:11**
